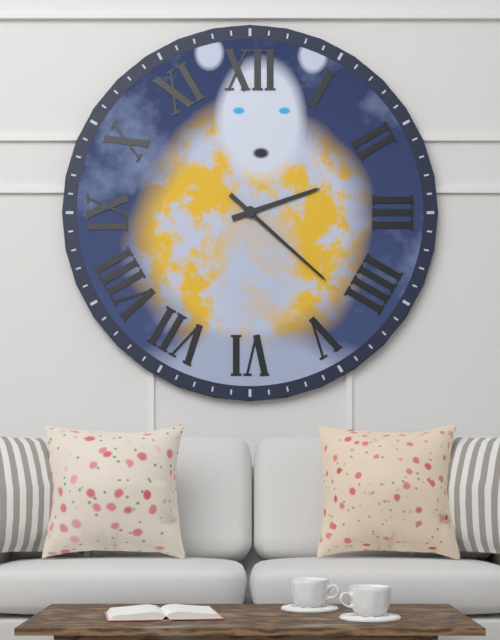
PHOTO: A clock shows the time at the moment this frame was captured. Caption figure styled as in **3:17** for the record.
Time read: **2:22**
